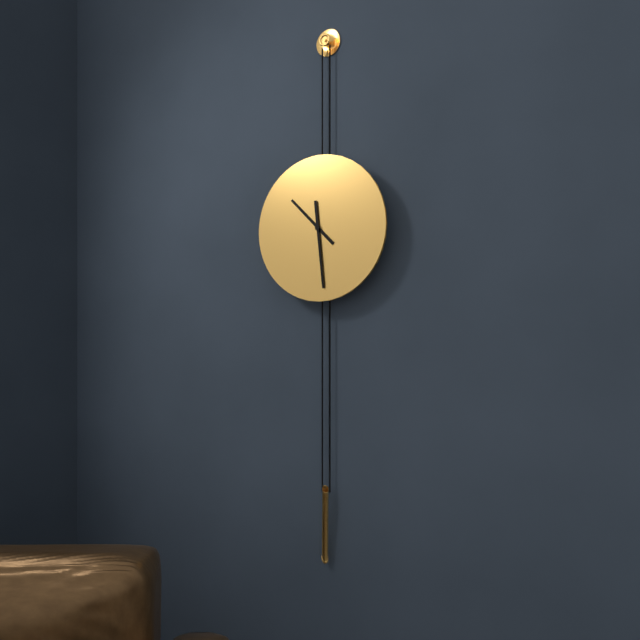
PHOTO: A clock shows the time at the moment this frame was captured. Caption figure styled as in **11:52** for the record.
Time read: **10:29**
